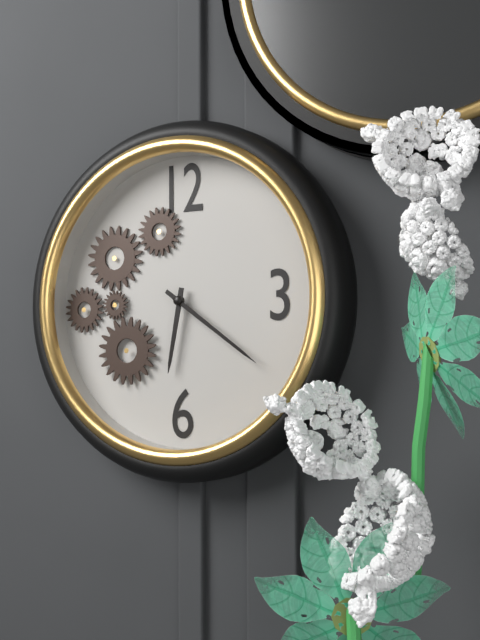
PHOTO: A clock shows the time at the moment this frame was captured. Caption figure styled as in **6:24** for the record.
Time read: **6:21**
